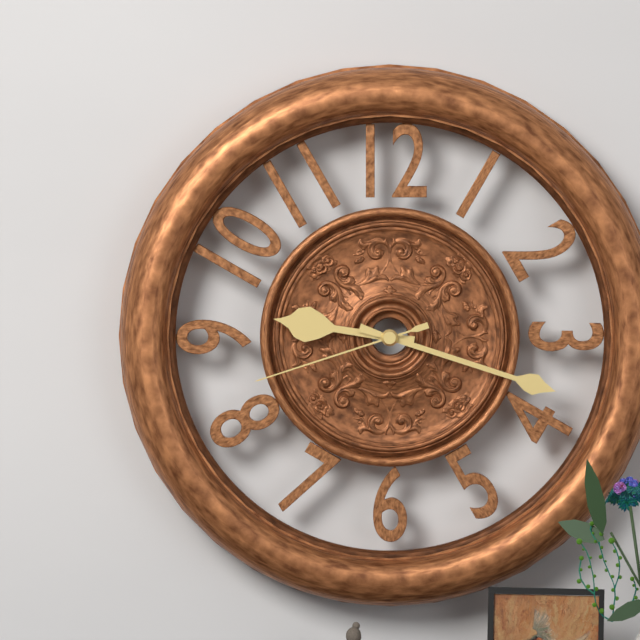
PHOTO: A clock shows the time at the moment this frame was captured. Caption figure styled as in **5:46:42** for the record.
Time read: **9:18:42**
